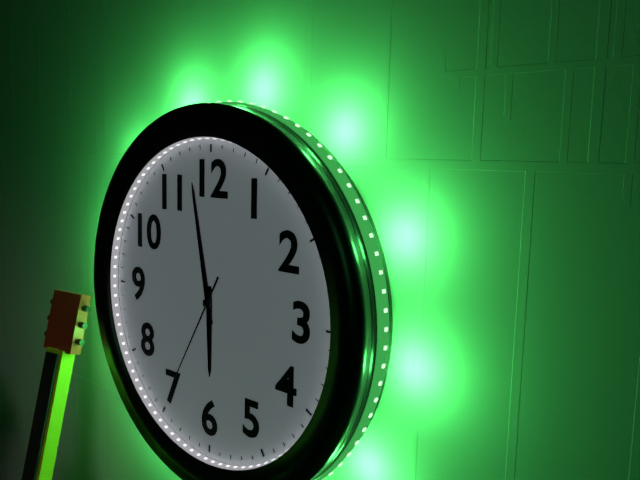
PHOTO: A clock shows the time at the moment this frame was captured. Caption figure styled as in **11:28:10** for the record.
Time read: **5:58:35**
